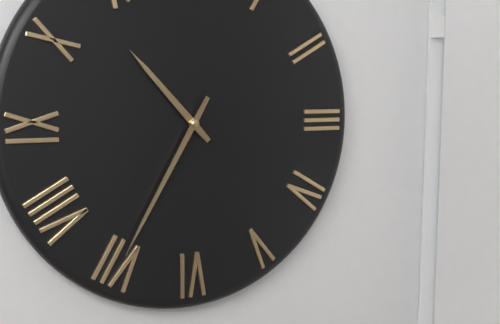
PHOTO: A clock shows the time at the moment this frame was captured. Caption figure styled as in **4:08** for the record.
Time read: **10:35**
